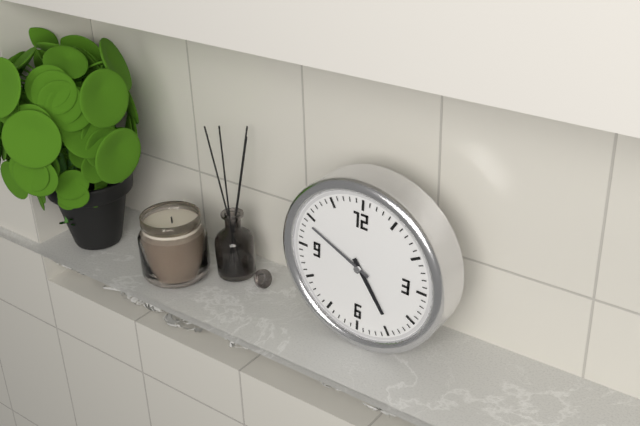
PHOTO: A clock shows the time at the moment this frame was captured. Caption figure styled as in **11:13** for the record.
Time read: **4:49**
